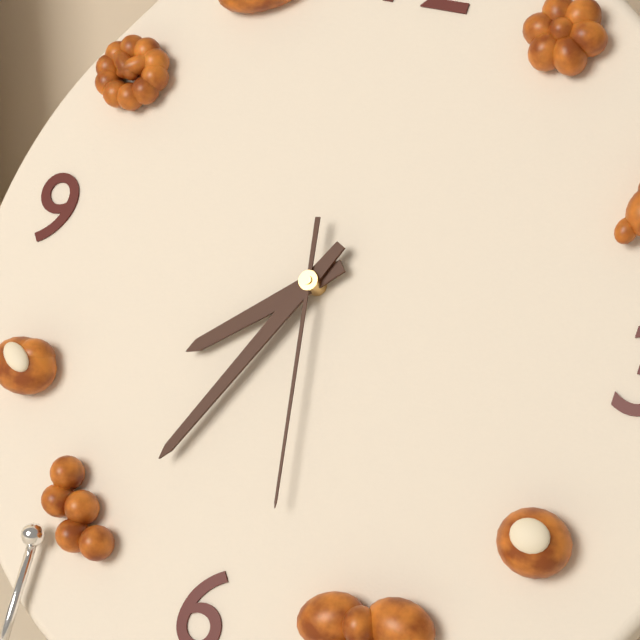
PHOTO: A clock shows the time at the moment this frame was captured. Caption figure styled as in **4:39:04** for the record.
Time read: **7:34:28**
